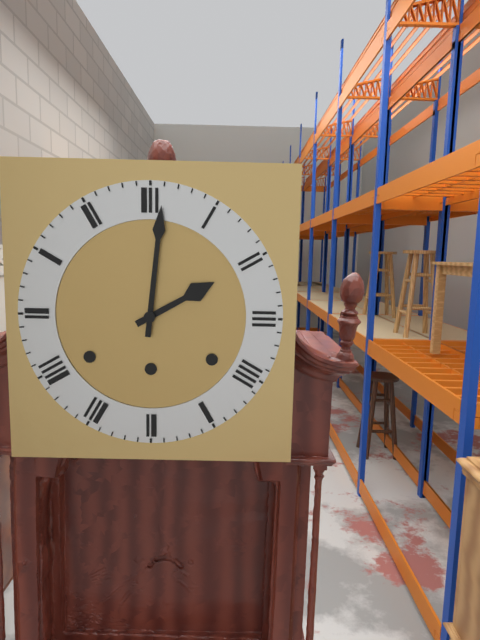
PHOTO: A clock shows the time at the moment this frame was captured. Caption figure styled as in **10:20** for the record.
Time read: **2:01**
